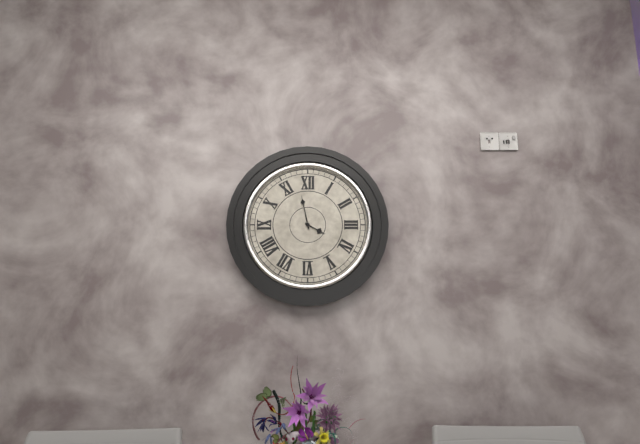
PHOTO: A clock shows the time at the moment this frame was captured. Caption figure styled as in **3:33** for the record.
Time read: **3:58**
